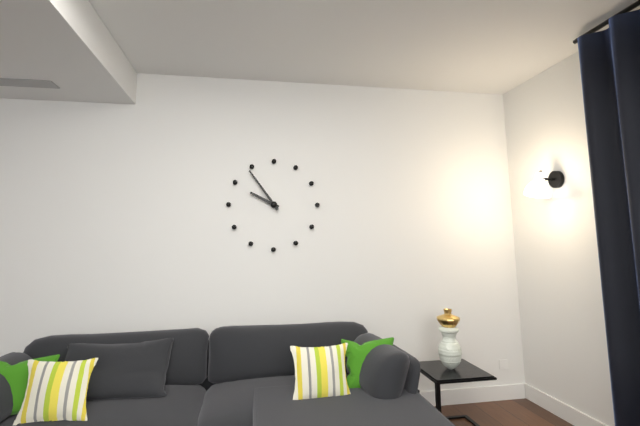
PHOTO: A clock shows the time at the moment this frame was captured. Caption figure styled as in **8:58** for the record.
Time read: **9:54**
